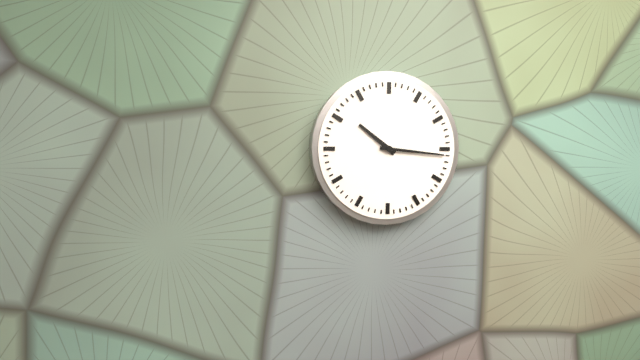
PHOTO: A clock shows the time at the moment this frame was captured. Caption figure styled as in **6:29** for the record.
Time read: **10:16**
